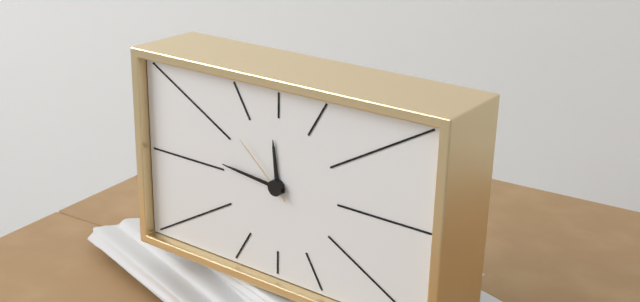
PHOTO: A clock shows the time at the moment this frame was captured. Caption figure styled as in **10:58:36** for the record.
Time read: **11:46:52**
